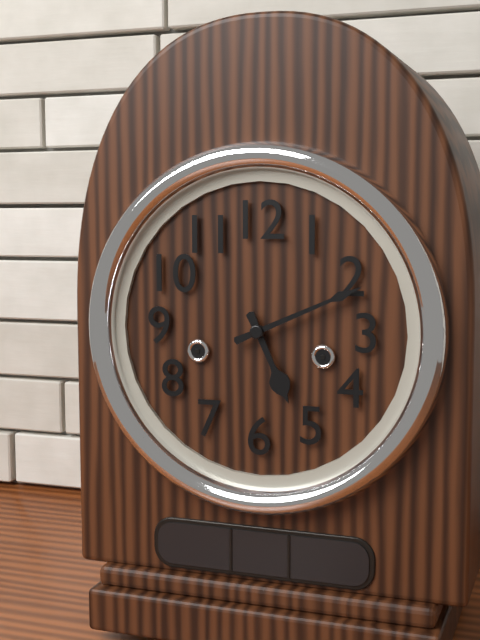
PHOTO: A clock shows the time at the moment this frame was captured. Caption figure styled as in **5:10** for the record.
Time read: **5:11**
